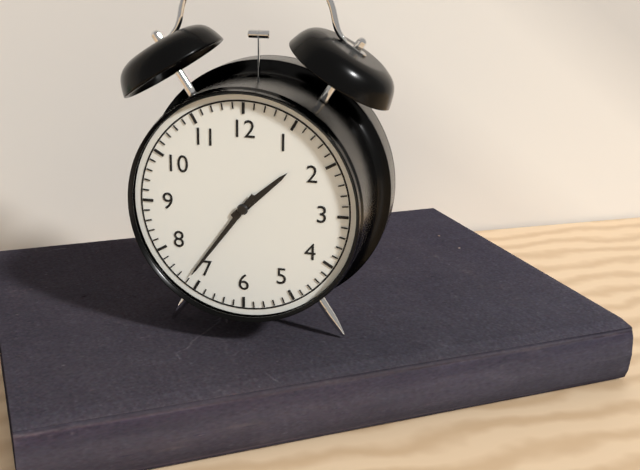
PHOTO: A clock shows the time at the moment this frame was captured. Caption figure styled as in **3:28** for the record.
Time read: **1:36**
